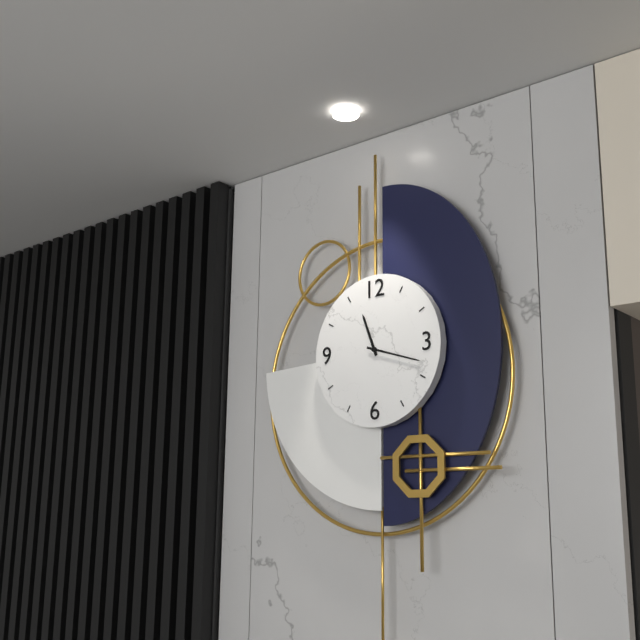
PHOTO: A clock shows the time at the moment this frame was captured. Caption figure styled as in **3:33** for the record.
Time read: **11:18**
